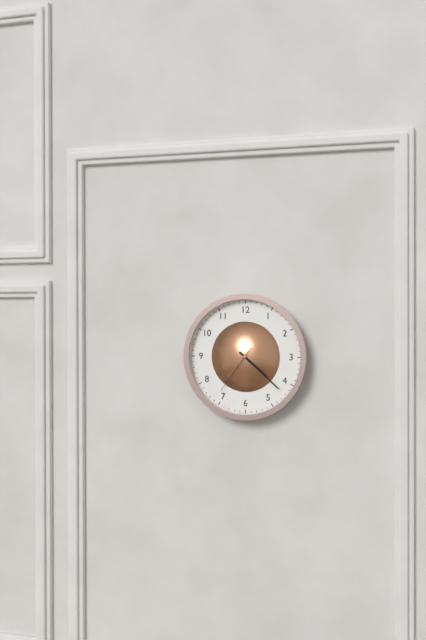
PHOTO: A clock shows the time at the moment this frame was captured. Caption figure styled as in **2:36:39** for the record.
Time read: **4:22:36**
